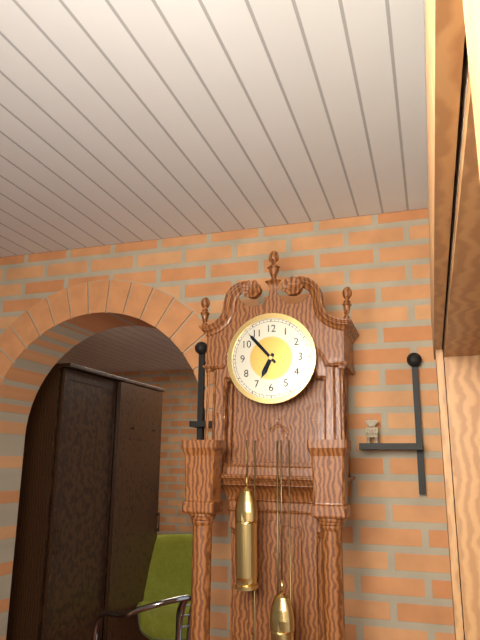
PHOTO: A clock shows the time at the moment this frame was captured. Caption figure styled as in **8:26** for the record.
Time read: **6:53**
